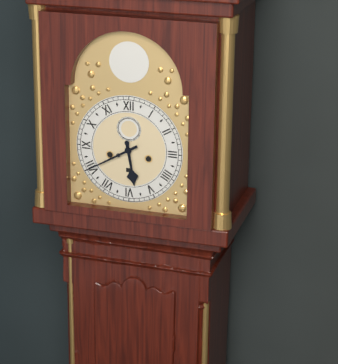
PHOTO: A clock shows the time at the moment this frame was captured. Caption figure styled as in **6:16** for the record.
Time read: **5:40**
